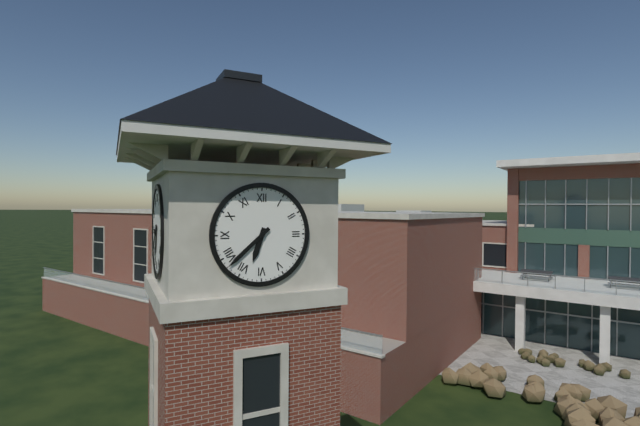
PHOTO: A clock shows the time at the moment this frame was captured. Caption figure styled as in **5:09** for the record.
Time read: **6:38**
